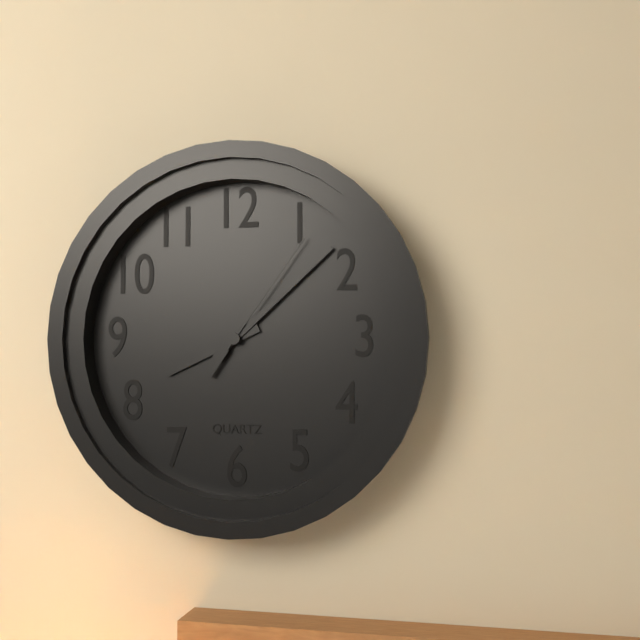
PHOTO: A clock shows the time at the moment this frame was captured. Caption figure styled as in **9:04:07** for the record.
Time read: **8:08:06**
